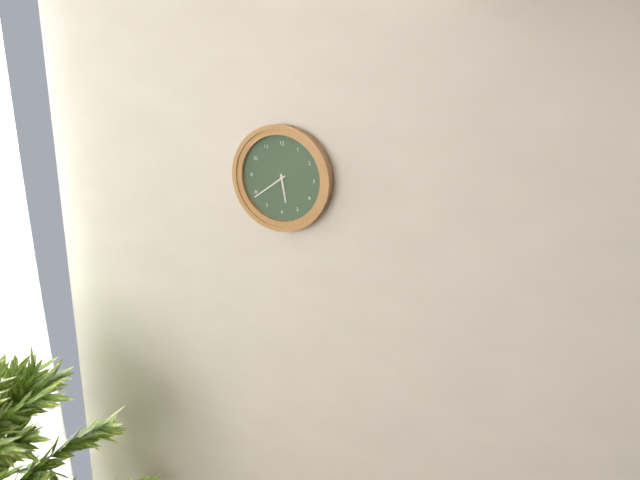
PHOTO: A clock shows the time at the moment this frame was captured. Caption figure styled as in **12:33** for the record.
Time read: **5:39**
